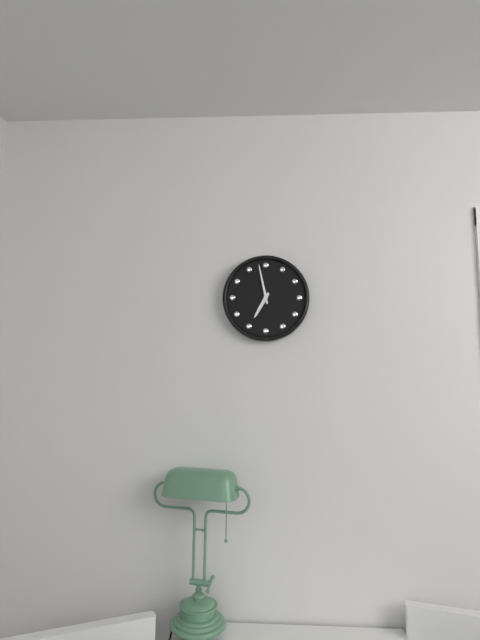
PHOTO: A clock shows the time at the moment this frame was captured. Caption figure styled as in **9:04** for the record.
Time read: **6:58**
